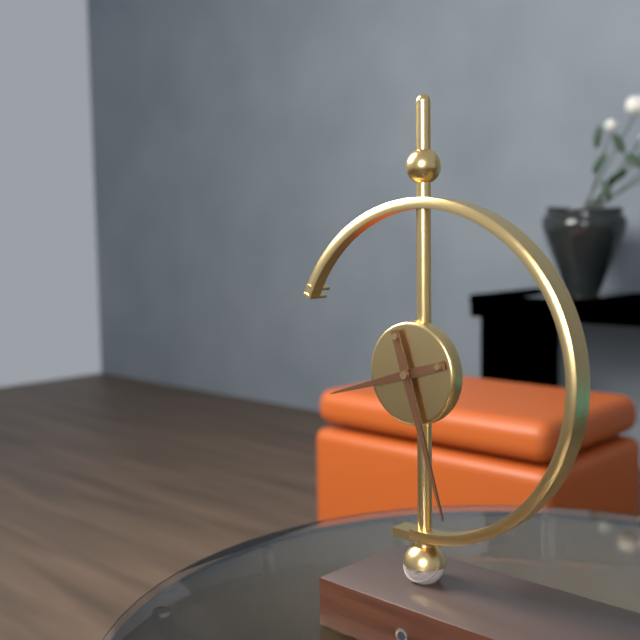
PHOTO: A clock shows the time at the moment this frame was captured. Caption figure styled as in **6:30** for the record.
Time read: **8:27**
